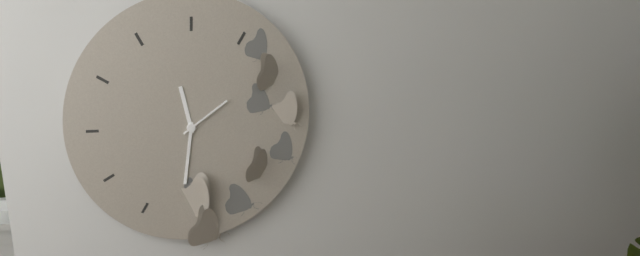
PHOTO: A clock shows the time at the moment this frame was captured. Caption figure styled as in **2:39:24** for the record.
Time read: **11:31:09**
